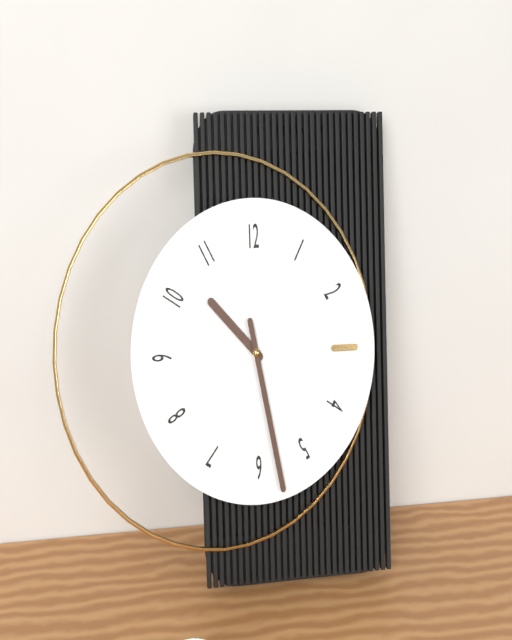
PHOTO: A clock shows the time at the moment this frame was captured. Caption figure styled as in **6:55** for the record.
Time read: **10:28**
